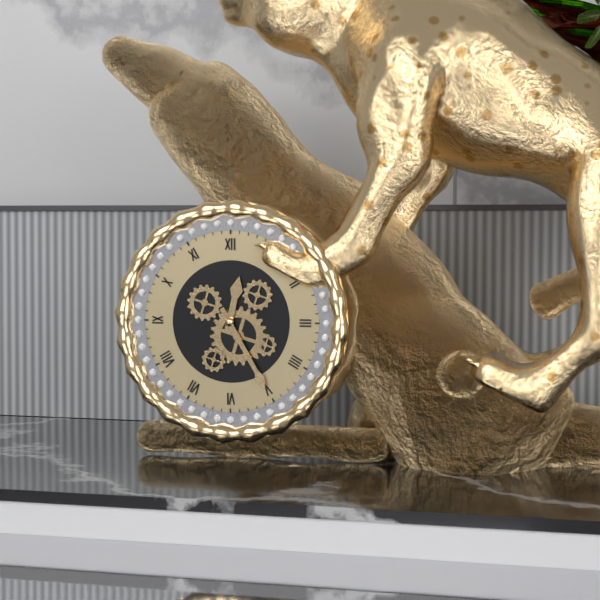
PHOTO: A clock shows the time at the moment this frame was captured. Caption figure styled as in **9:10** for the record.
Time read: **12:25**
